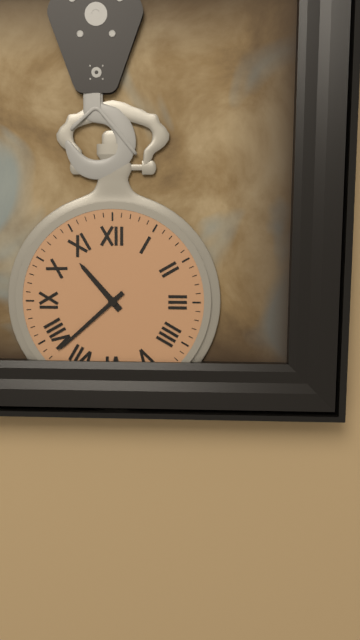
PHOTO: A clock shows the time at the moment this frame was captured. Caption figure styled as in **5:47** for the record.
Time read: **10:38**
